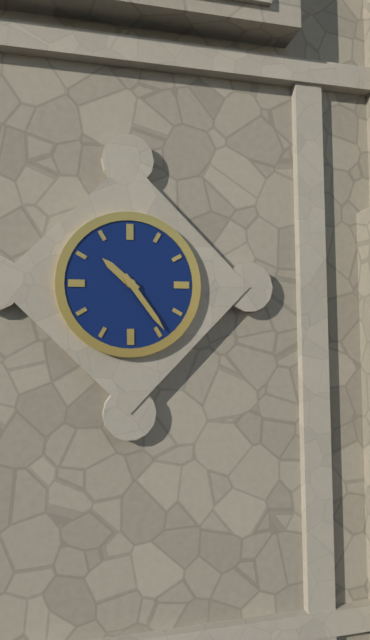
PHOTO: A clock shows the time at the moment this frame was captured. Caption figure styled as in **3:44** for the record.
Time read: **10:24**
